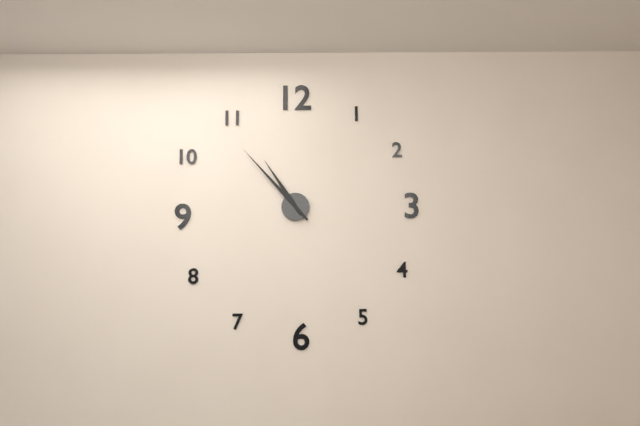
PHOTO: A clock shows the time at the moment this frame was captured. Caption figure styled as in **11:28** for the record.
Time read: **10:53**
